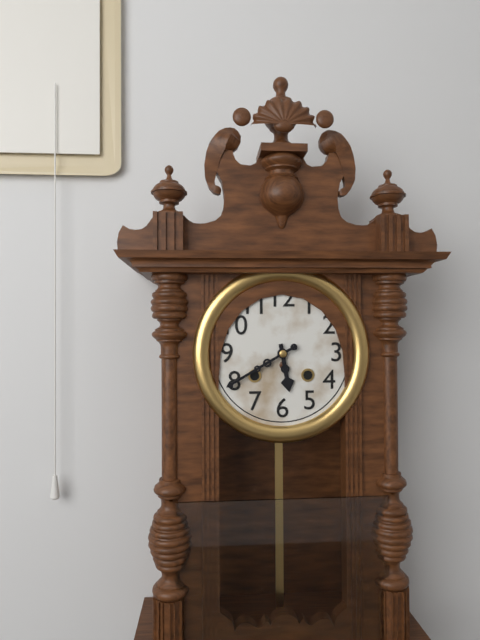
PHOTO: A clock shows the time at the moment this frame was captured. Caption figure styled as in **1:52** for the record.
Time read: **5:40**
